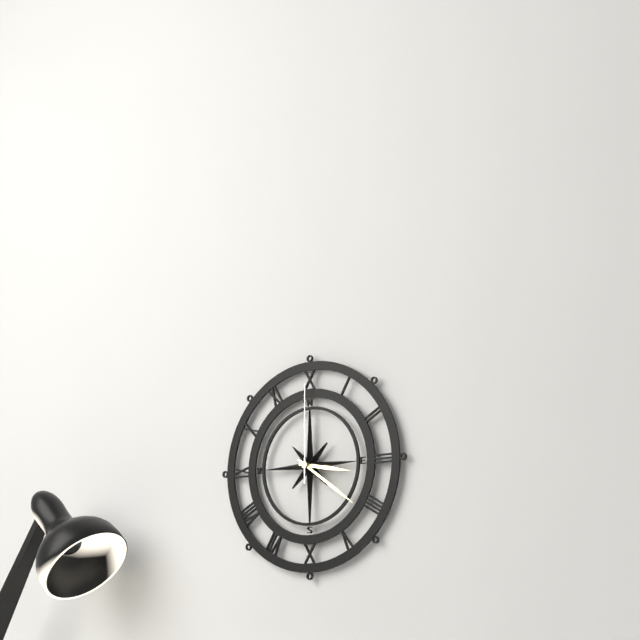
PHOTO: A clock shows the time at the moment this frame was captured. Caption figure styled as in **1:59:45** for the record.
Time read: **3:21:00**
